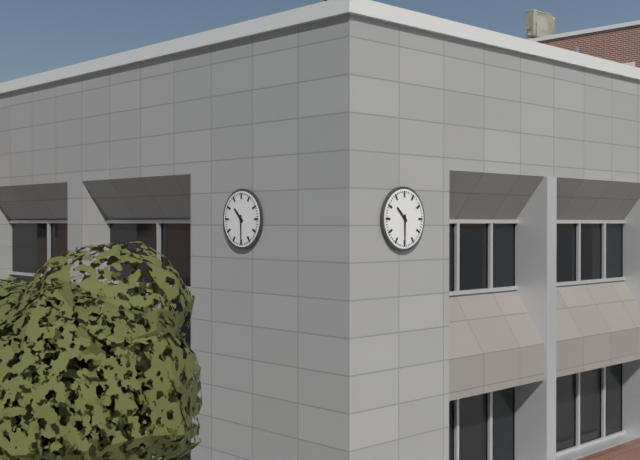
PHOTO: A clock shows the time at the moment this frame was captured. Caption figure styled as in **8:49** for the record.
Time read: **10:30**
